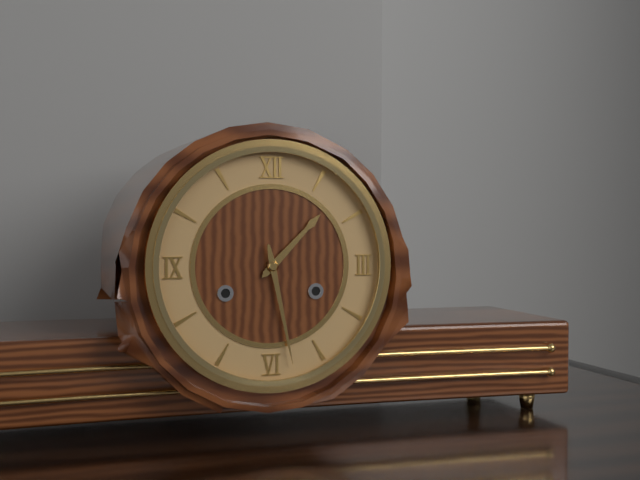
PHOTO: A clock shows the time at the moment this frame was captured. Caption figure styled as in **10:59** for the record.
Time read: **1:28**
